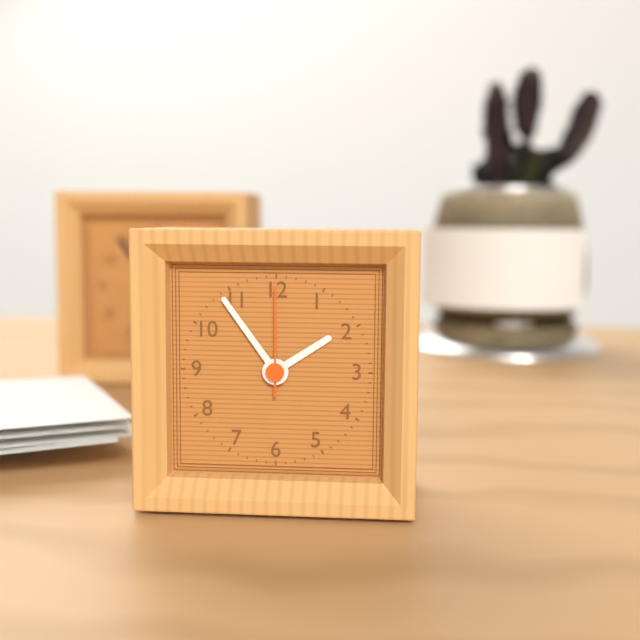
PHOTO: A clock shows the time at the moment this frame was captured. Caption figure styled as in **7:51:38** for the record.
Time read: **1:54:00**
